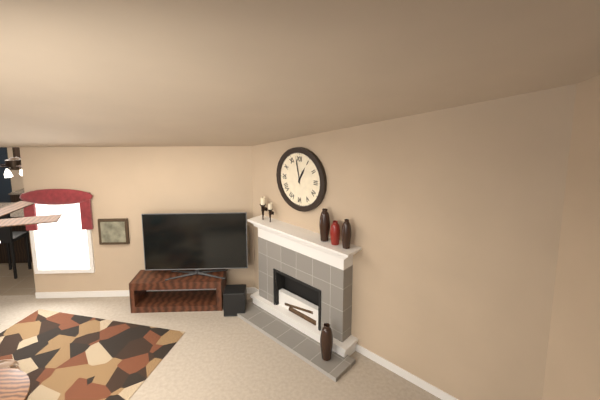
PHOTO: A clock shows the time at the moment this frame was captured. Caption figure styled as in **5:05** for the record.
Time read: **12:58**
